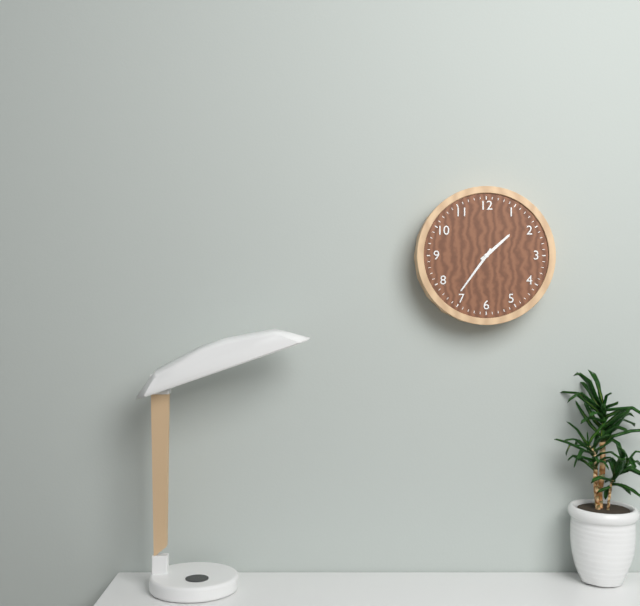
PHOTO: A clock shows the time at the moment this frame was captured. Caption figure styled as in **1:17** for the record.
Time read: **1:36**
